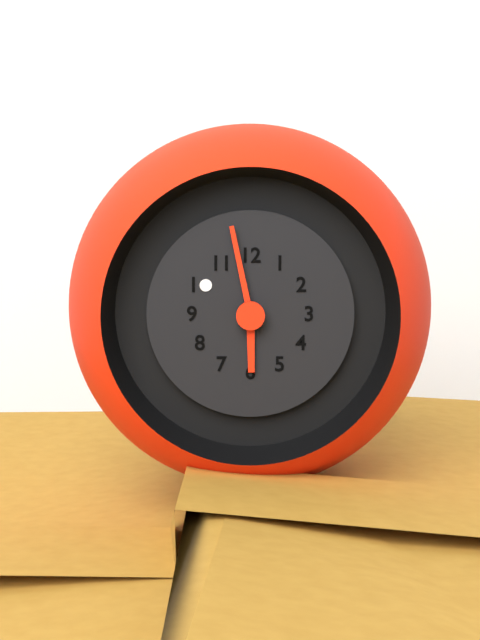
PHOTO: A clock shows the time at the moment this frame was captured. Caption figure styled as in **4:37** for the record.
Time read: **5:58**
